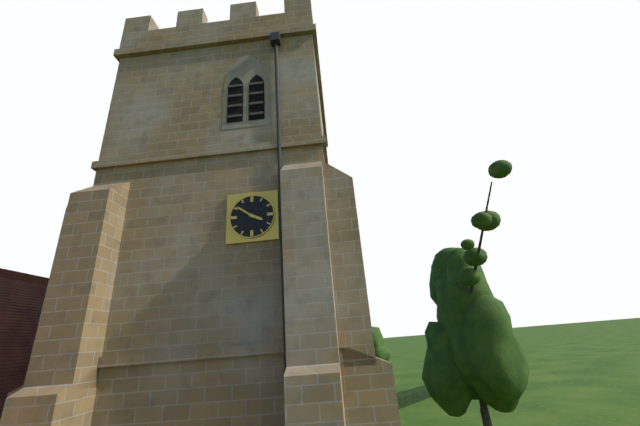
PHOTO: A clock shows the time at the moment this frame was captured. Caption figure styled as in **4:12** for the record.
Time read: **3:51**
